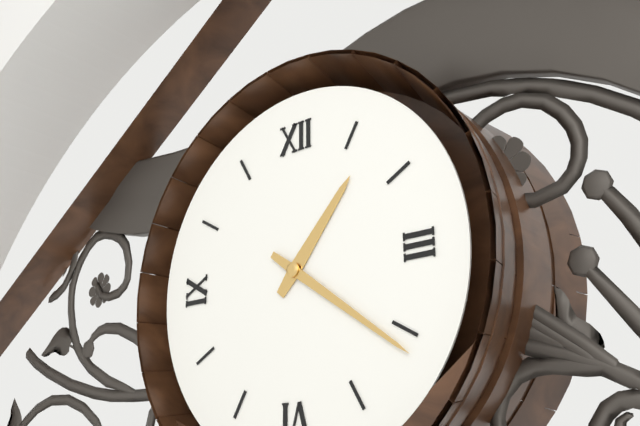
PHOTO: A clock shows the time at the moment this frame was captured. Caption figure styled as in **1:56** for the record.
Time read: **1:21**
